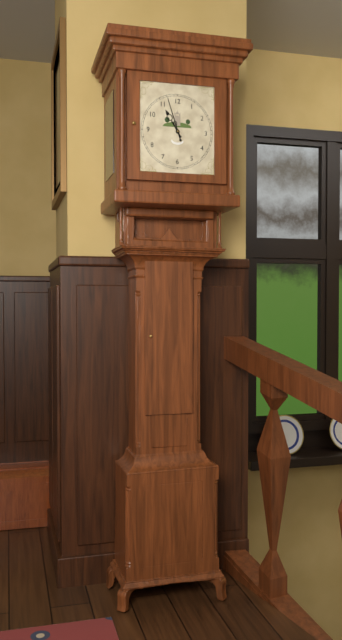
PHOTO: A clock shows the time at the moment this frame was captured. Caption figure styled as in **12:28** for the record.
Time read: **10:57**
